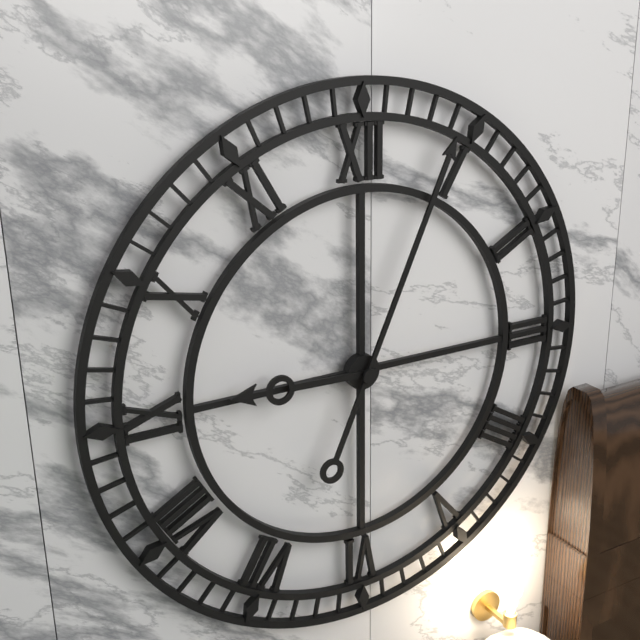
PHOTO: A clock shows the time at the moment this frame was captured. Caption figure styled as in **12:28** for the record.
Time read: **9:04**
